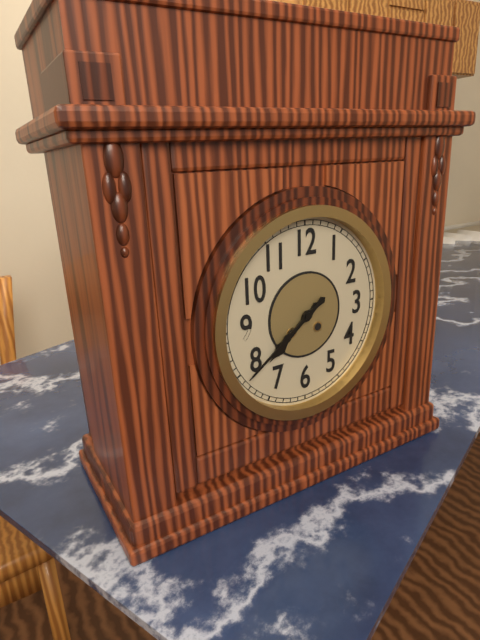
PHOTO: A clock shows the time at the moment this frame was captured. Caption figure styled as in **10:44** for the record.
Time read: **7:39**
